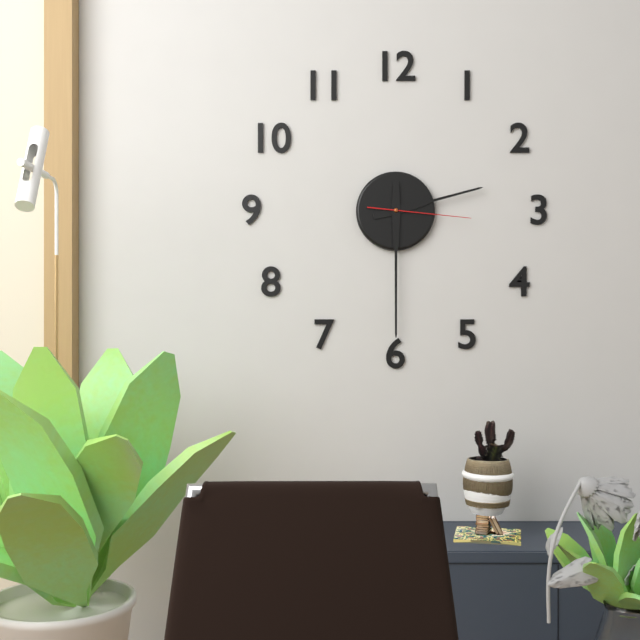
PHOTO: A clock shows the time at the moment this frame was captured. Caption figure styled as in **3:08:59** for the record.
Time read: **2:30:16**
